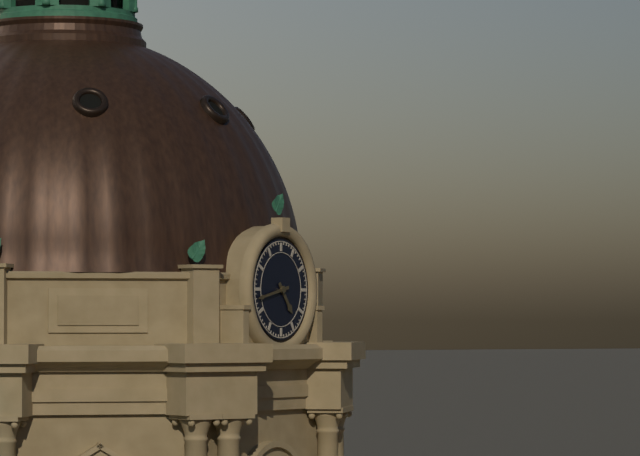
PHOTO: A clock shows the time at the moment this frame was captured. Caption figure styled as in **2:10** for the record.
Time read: **4:43**
